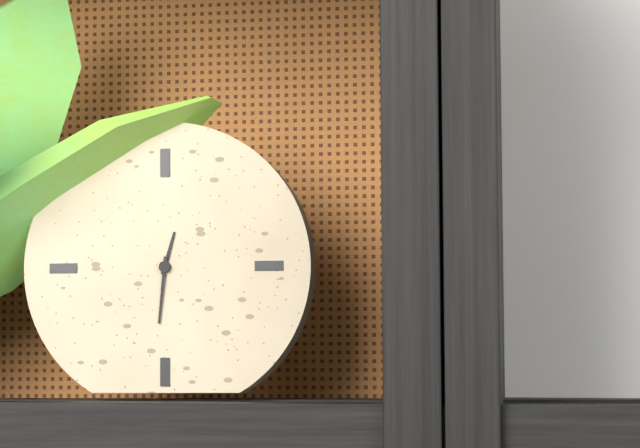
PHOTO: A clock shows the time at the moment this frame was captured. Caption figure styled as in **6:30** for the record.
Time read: **12:31**
